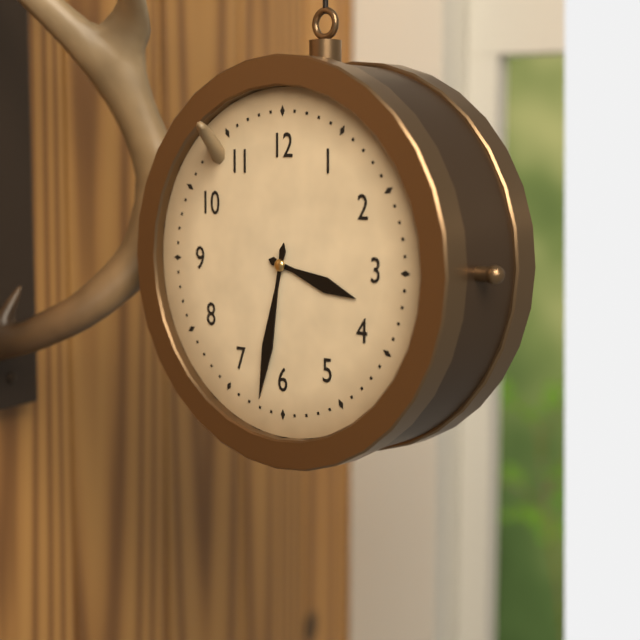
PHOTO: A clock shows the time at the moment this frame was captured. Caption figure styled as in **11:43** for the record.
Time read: **3:32**
